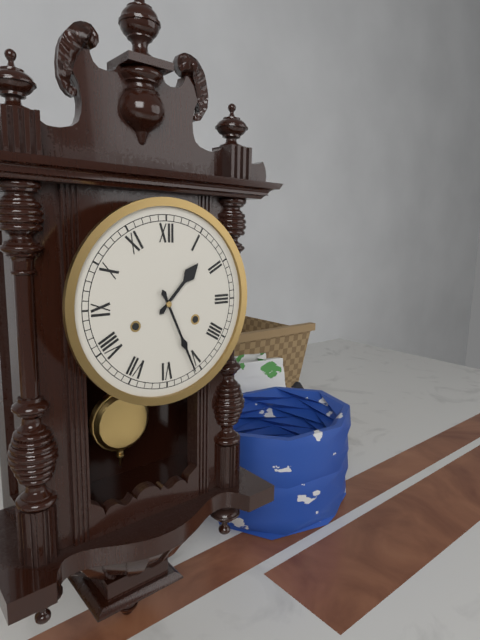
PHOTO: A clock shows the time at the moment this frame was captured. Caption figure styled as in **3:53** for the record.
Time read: **1:26**
